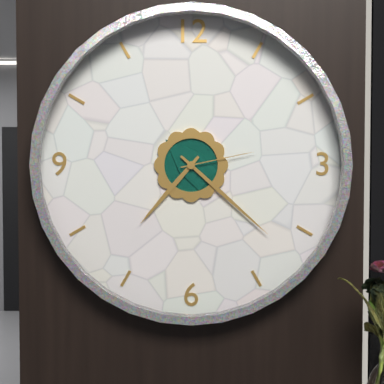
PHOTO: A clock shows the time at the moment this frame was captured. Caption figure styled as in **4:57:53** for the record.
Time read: **7:22:13**
